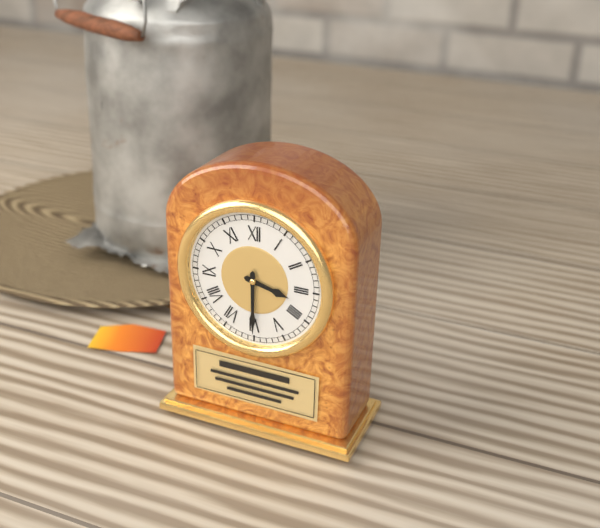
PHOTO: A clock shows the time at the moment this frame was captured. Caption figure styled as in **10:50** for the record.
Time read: **3:30**
